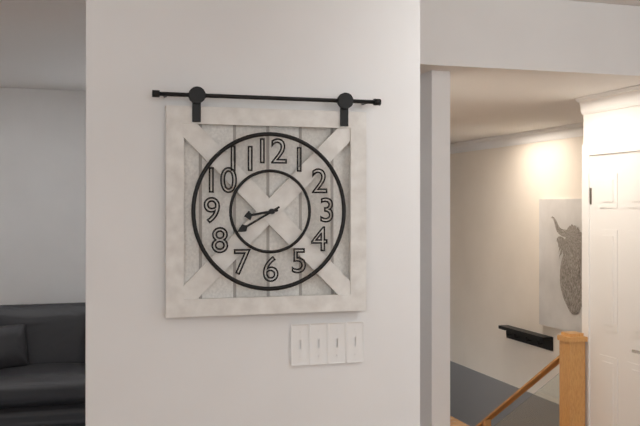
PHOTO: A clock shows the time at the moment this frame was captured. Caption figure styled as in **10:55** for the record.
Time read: **8:40**
